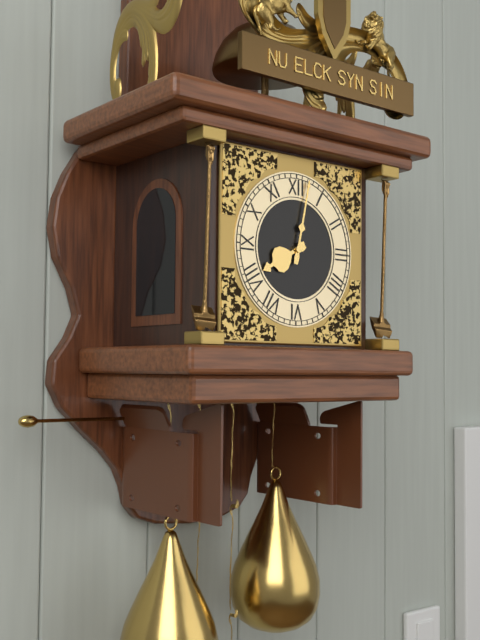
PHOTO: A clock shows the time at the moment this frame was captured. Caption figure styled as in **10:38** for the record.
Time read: **8:02**
